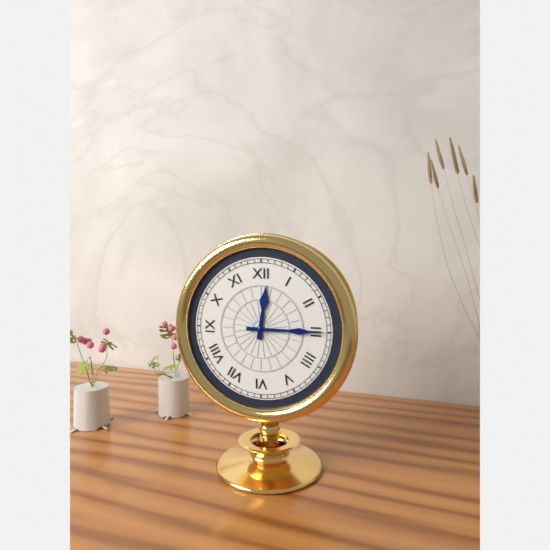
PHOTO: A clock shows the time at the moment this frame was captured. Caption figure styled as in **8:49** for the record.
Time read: **12:15**
